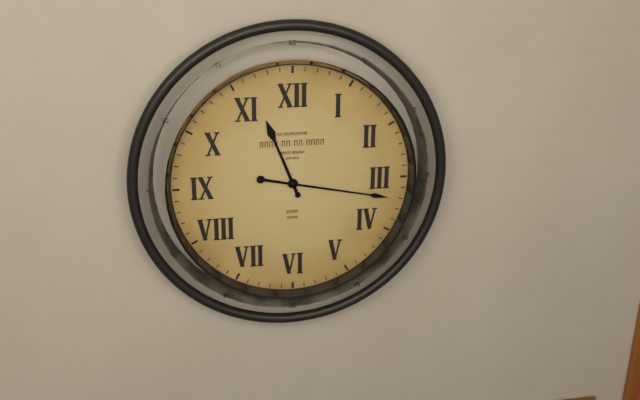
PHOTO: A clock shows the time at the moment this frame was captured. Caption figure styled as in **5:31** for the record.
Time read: **11:17**
